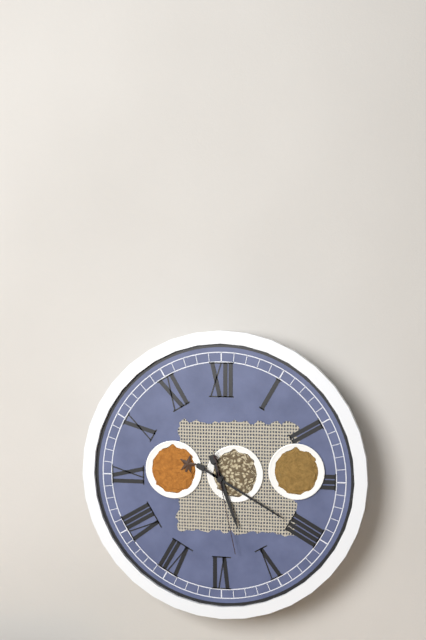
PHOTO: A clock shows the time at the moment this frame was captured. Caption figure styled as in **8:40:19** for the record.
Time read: **5:20:28**
